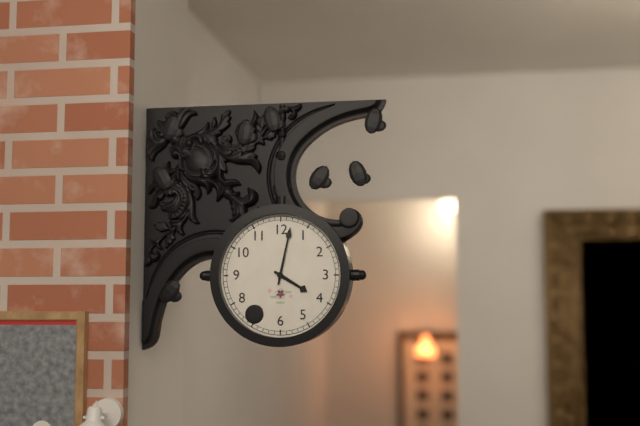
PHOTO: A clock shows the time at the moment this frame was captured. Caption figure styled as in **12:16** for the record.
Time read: **4:02**
